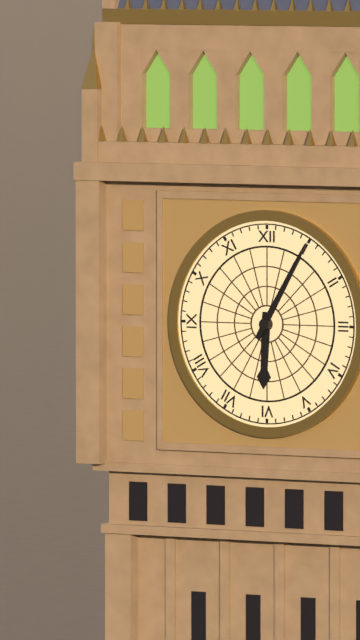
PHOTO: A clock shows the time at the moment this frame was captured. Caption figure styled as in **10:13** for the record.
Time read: **6:05**
